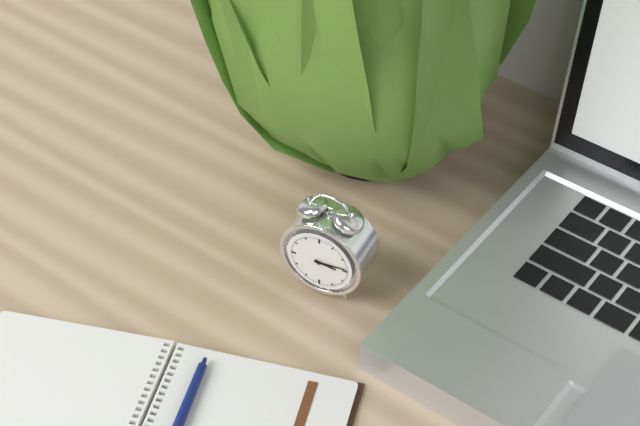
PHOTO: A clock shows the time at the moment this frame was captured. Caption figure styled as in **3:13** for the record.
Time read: **3:14**
